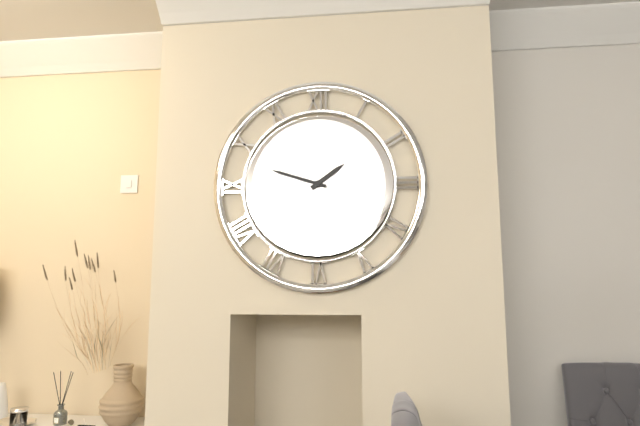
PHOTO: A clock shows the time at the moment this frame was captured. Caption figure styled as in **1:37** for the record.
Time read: **1:48**
